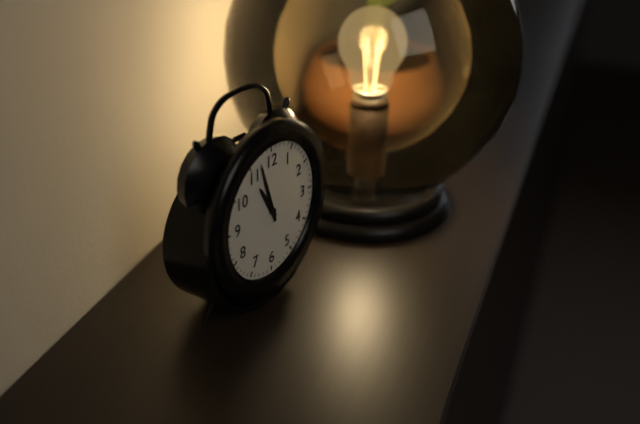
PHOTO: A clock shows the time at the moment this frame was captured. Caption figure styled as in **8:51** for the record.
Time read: **10:57**
